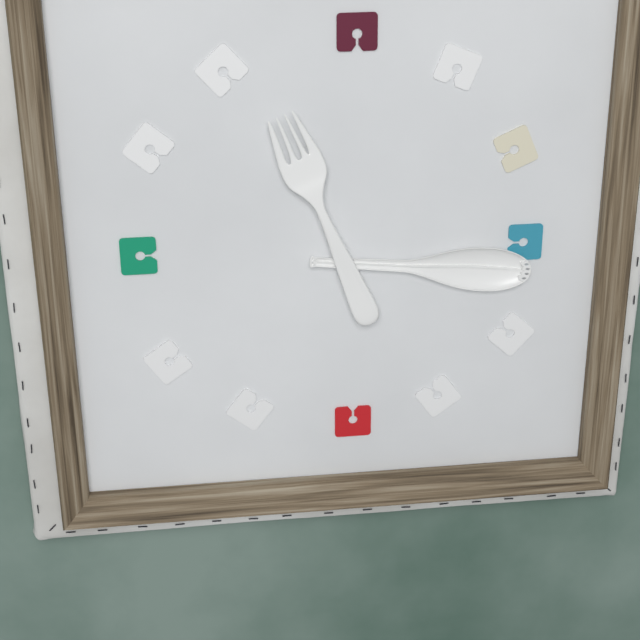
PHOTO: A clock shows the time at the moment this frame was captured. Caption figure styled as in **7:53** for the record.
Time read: **11:16**
